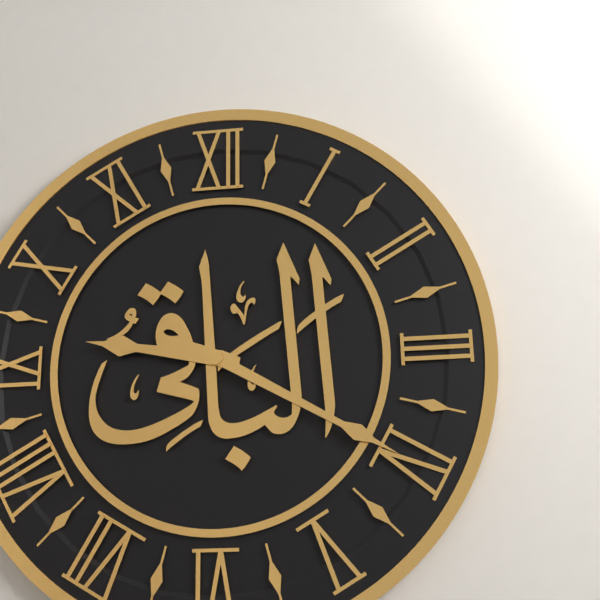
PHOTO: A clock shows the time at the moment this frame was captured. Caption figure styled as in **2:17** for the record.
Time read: **9:20**
